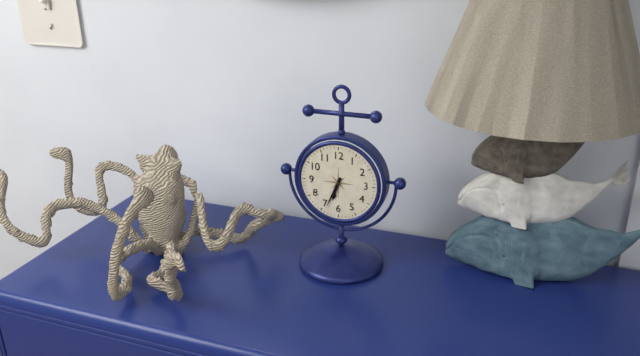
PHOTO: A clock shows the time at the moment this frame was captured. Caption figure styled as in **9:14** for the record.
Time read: **6:34**
